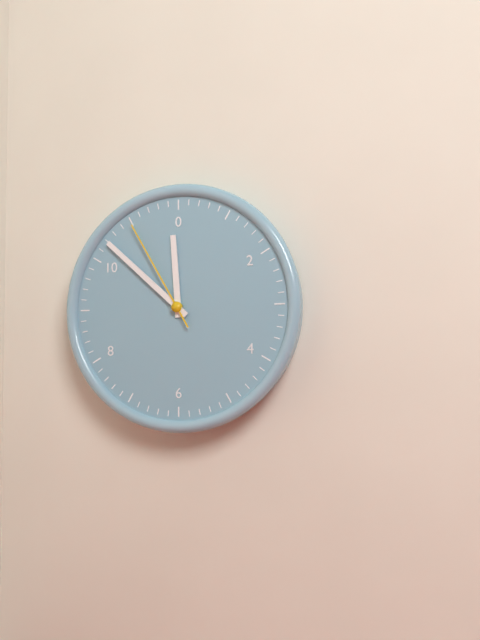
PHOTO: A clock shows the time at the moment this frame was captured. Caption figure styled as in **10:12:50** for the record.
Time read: **11:52:55**
